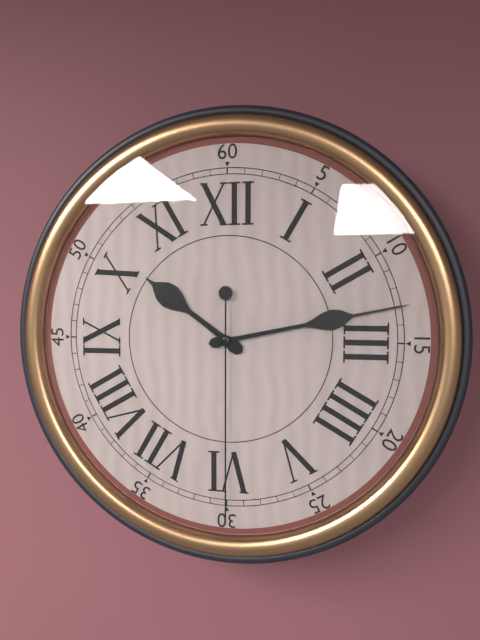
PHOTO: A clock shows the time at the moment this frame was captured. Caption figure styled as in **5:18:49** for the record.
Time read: **10:13:30**
